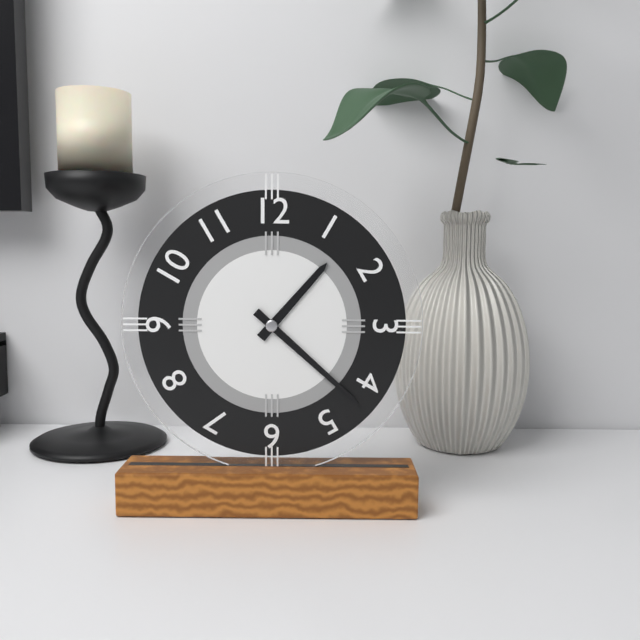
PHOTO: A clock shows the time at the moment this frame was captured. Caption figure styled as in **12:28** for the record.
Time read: **1:22**
